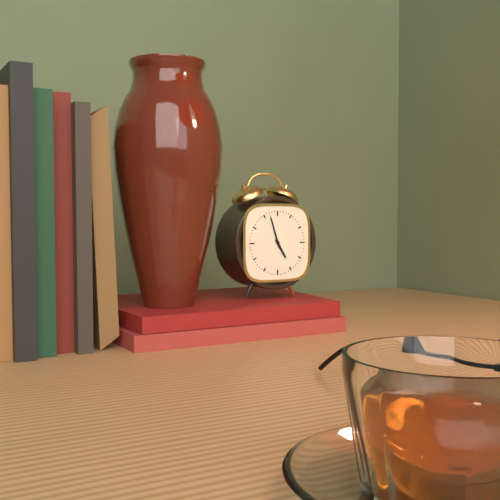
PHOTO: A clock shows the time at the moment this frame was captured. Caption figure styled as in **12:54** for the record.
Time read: **4:57**
